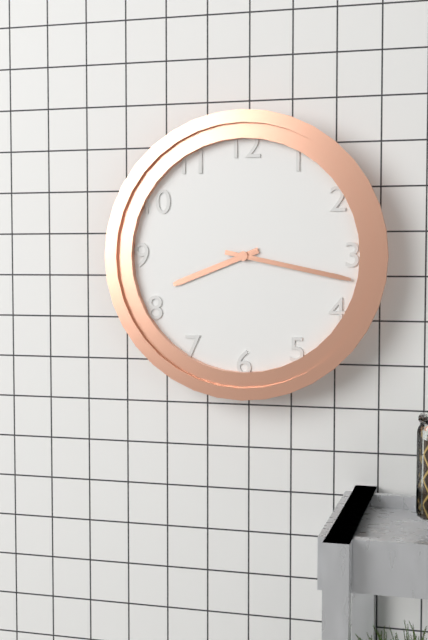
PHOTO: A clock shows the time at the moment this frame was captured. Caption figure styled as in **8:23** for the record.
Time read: **8:17**
